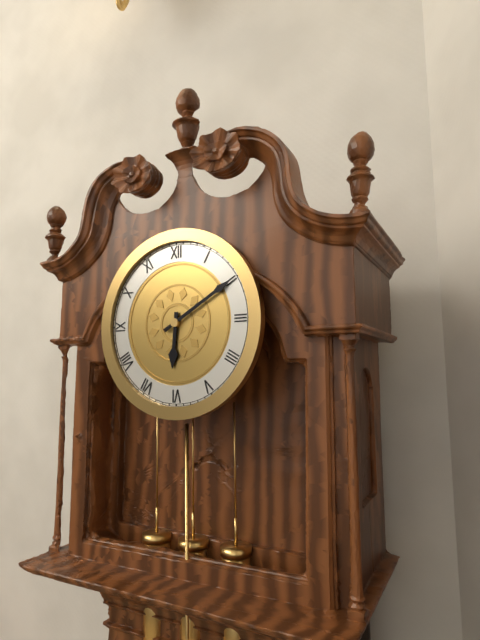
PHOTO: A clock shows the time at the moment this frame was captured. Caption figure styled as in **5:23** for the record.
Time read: **6:10**
